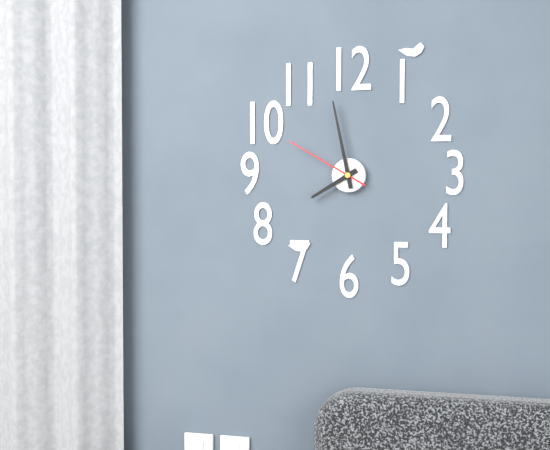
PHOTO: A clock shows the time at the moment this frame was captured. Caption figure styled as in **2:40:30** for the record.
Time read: **7:58:50**
